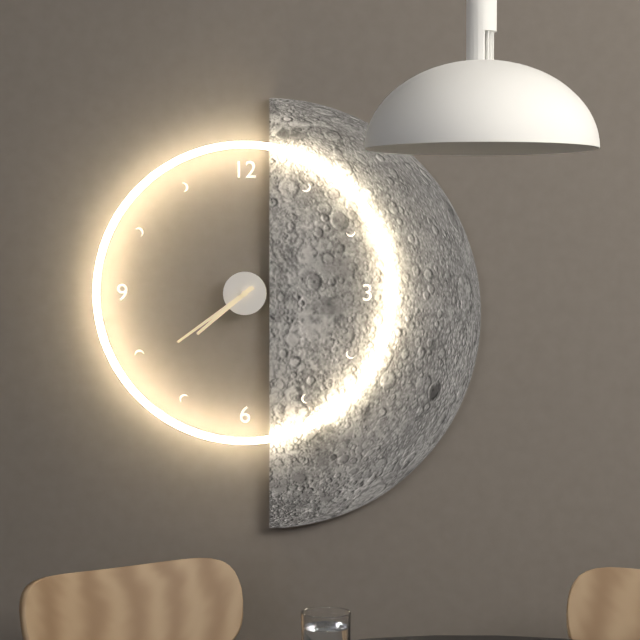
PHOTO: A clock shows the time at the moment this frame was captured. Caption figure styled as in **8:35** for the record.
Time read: **7:39**
